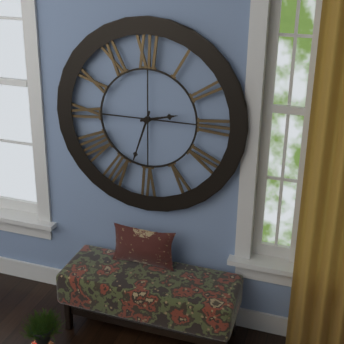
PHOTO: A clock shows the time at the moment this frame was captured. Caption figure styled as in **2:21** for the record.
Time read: **2:33**
